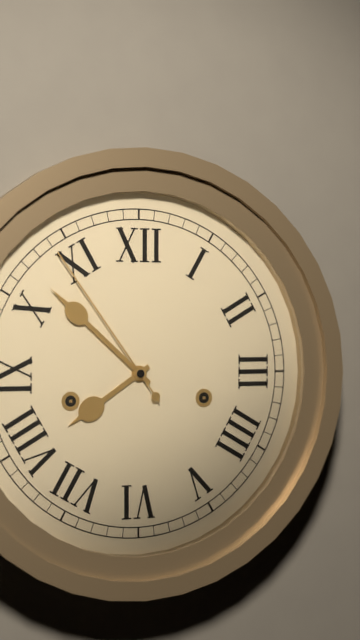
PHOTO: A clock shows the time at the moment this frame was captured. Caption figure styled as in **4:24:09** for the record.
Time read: **7:52:54**
